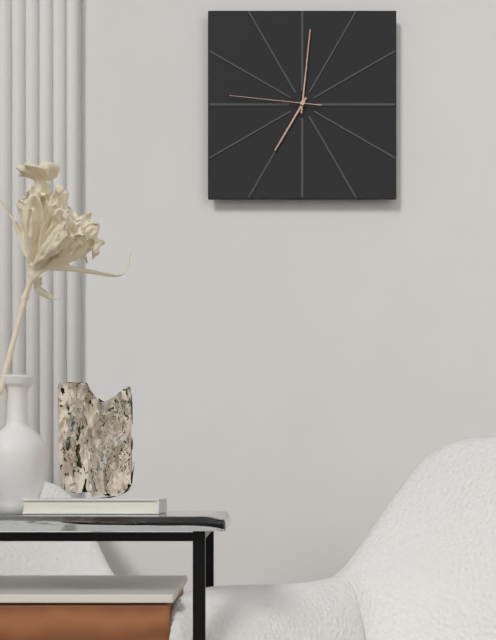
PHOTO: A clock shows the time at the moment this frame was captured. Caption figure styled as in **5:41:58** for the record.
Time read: **7:01:46**
